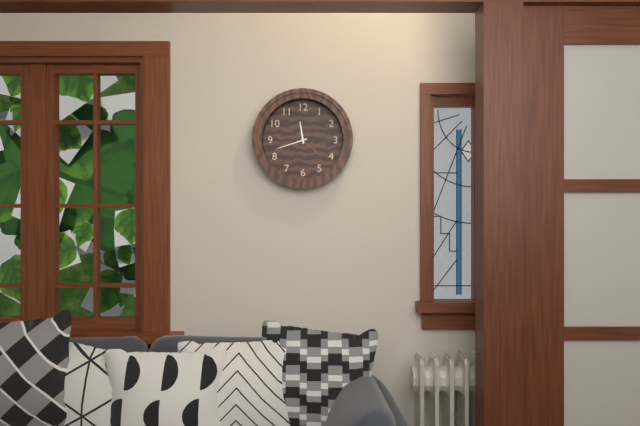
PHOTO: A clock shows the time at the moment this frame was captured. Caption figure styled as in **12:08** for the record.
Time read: **11:42**
